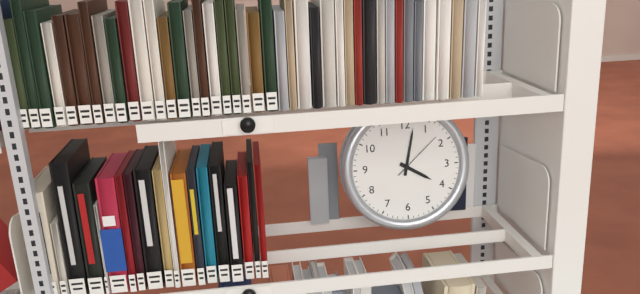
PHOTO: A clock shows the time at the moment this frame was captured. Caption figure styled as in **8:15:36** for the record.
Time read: **4:02:08**
